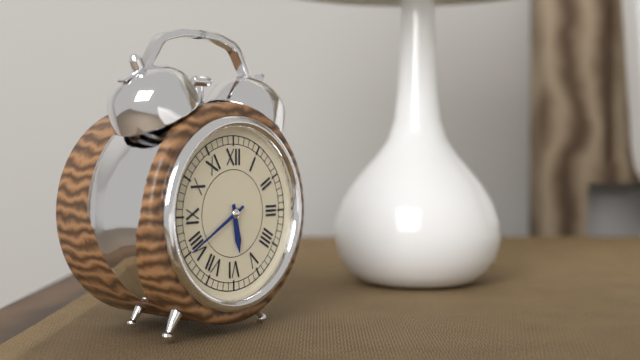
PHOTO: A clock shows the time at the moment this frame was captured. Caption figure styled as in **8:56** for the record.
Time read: **5:40**
